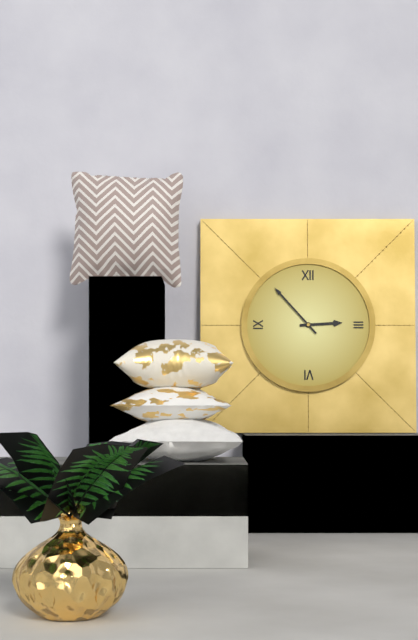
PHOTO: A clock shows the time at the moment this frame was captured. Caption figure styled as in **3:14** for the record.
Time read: **2:53**
